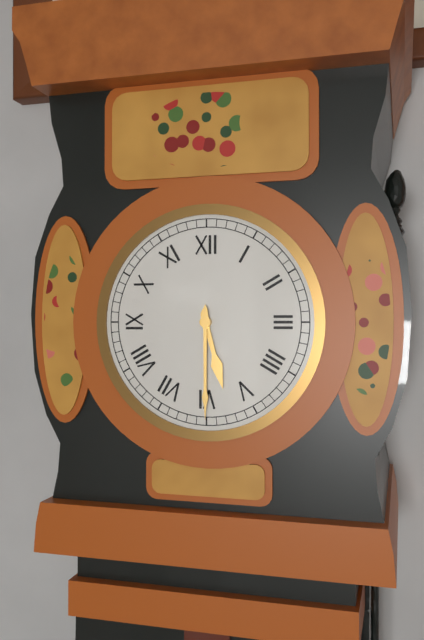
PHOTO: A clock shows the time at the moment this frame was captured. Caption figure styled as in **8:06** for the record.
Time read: **5:30**
